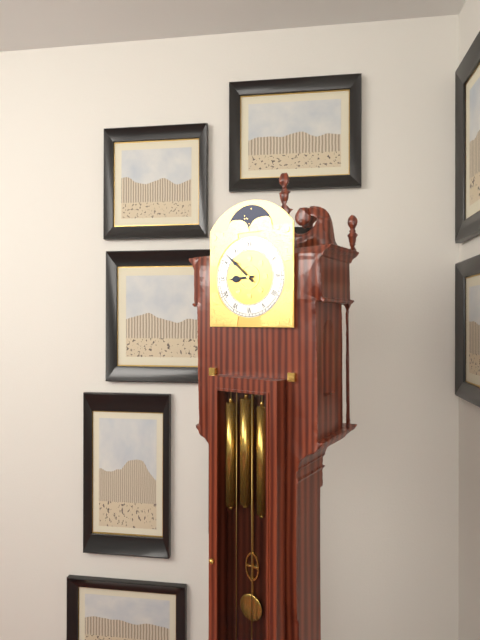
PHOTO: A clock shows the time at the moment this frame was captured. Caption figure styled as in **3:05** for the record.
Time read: **8:52**
